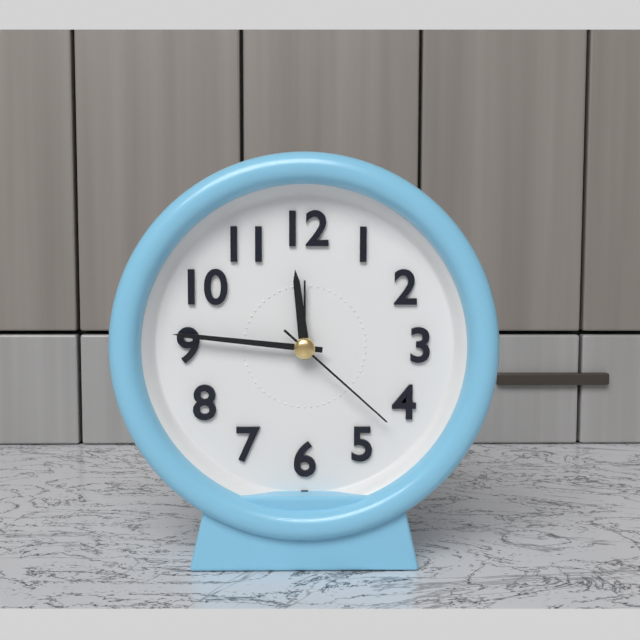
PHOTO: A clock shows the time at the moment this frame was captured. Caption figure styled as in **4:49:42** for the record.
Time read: **11:46:22**
